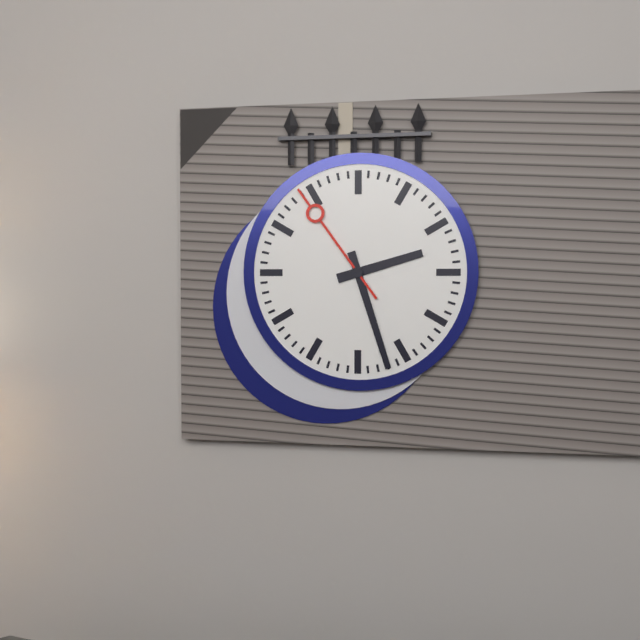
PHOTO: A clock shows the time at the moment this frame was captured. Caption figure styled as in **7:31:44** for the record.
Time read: **2:27:54**
